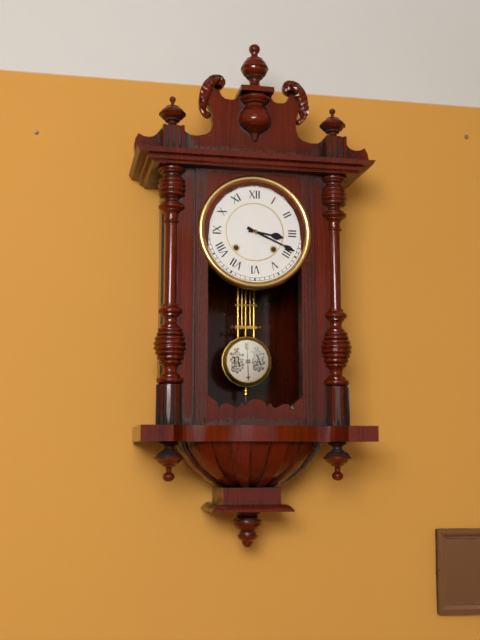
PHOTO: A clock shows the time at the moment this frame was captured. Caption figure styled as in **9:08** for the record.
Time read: **3:19**
